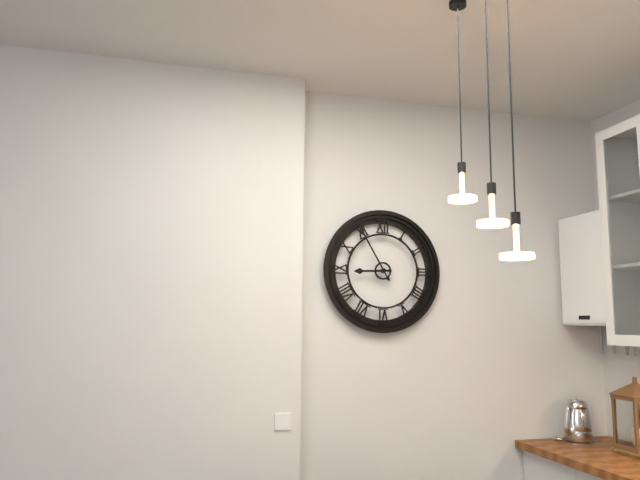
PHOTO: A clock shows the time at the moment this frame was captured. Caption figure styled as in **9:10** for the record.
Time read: **8:55**
